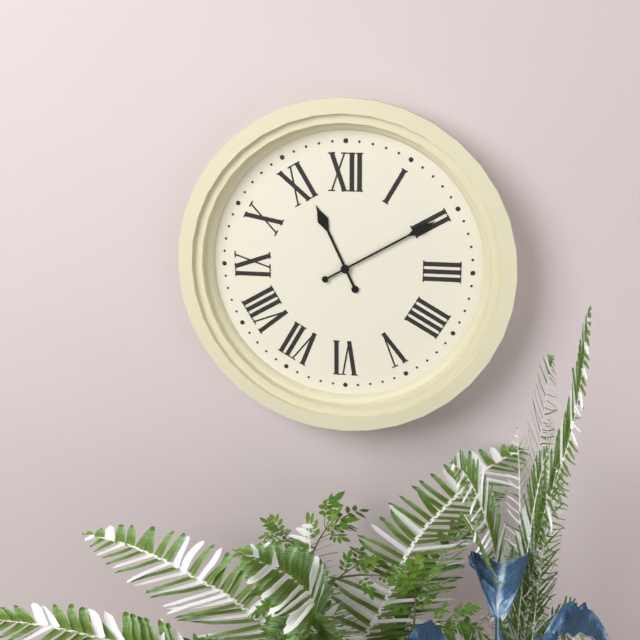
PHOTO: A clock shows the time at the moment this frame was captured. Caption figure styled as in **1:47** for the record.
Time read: **11:10**
